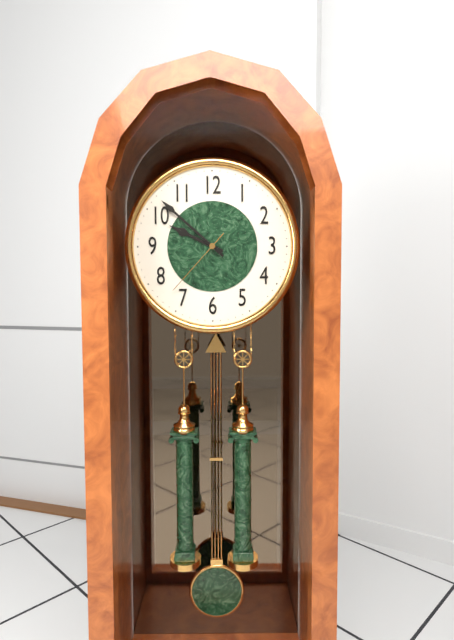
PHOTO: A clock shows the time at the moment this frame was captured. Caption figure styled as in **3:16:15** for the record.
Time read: **9:52:37**
